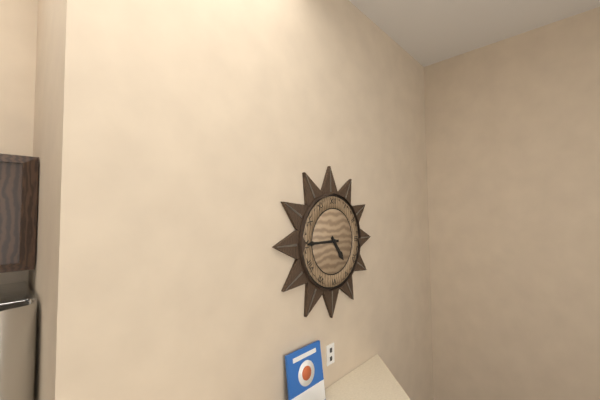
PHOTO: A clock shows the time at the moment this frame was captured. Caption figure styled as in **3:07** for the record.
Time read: **4:45**
